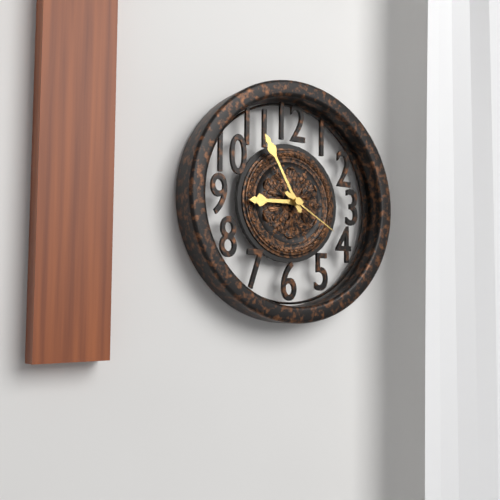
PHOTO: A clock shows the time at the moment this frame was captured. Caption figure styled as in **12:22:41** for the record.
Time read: **8:55:20**
